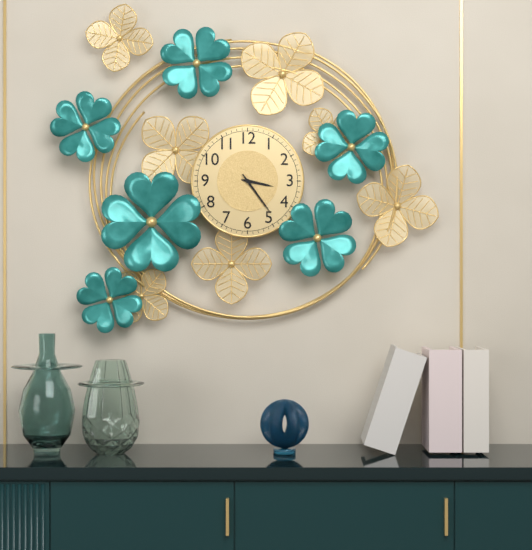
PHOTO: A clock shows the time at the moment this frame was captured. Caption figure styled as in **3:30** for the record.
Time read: **3:24**
